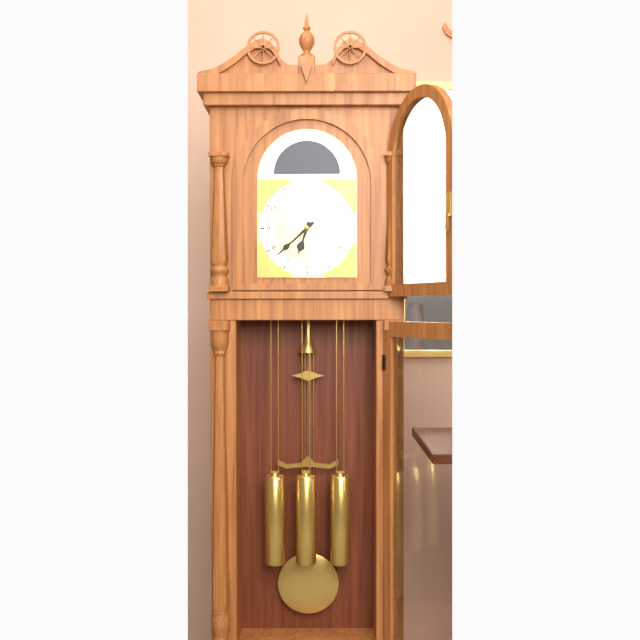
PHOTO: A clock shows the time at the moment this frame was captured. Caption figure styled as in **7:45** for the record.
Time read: **6:38**
